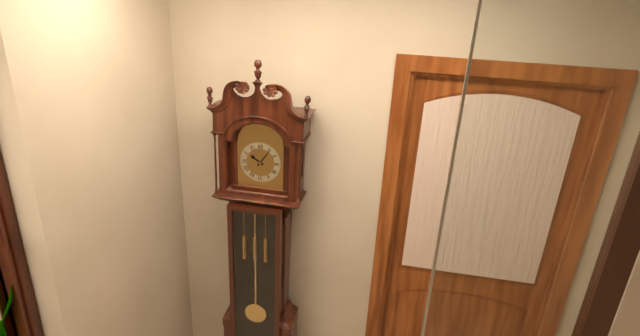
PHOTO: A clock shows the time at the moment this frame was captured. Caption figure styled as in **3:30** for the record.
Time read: **10:06**
